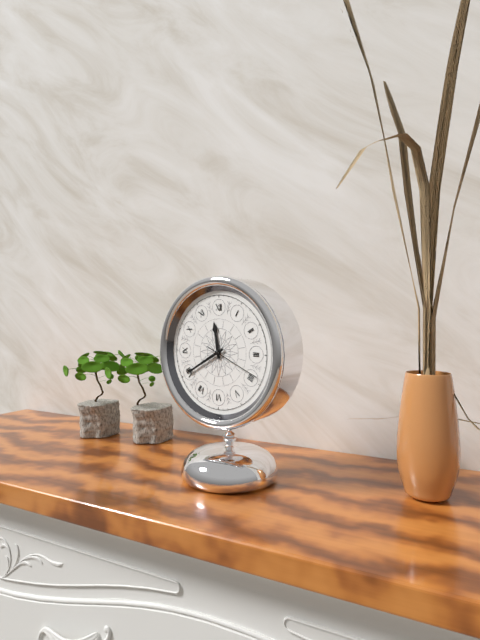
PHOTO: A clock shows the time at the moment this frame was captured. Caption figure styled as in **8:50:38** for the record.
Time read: **11:40:19**
